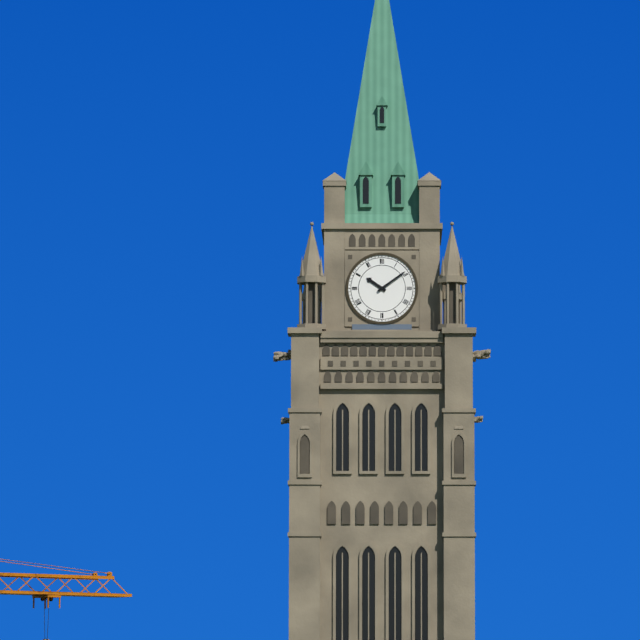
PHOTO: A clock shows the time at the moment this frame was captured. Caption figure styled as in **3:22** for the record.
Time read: **10:09**
